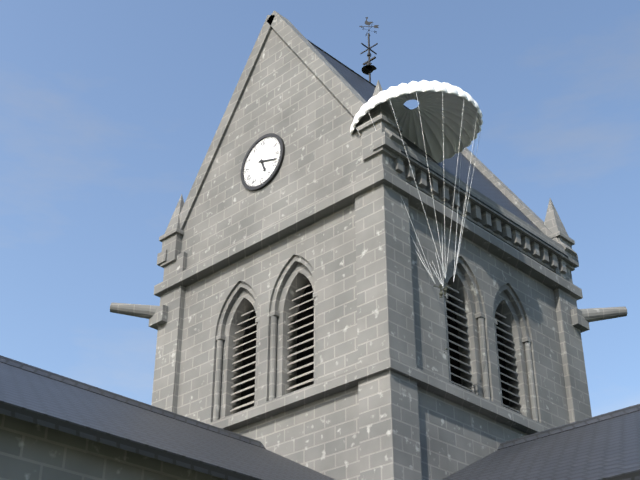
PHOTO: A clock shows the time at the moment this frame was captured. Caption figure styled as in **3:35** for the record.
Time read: **5:18**
